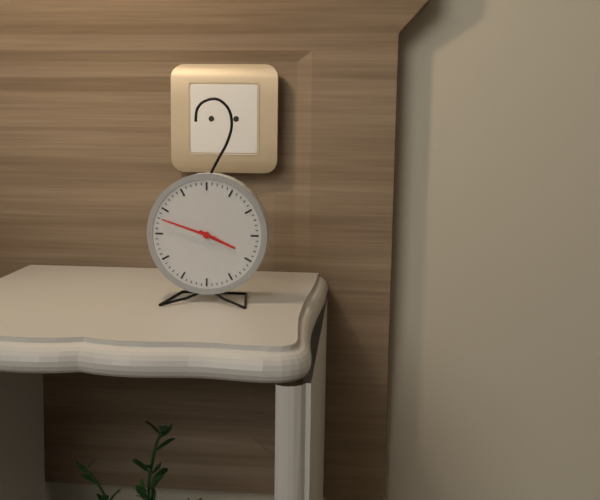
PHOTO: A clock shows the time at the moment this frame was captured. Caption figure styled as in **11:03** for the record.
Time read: **3:48**
